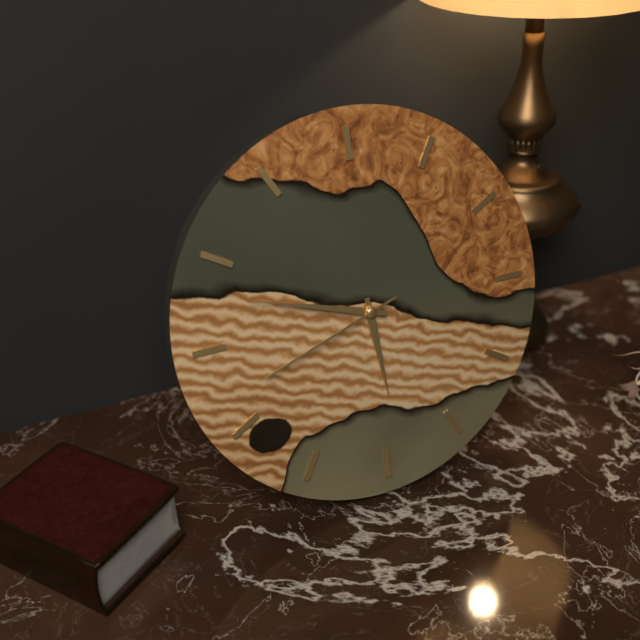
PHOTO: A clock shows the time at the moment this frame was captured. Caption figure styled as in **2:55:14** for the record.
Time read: **5:48:42**
